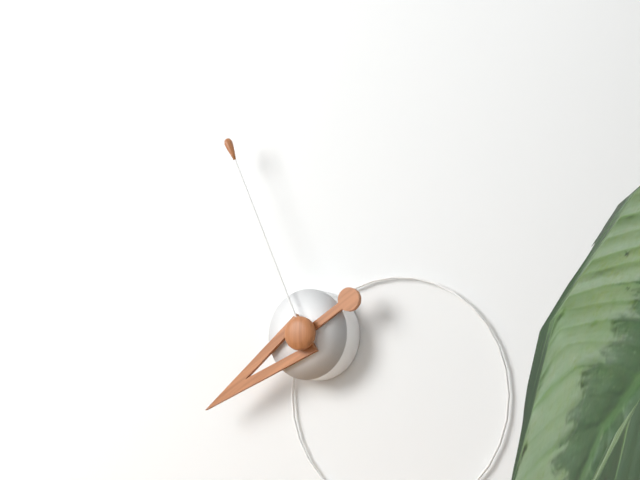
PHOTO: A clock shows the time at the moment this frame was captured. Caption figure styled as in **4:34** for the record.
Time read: **7:56**
